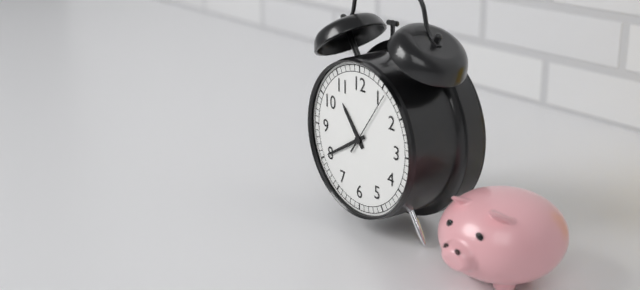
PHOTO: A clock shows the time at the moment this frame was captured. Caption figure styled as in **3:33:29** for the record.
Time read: **10:40:06**
